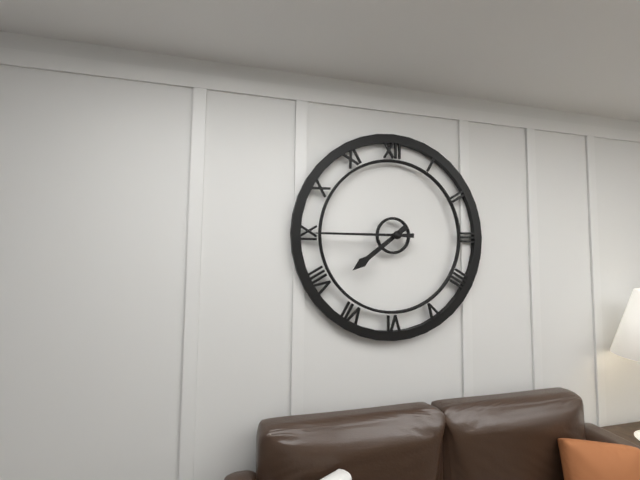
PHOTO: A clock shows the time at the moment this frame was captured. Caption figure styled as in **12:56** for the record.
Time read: **7:45**
